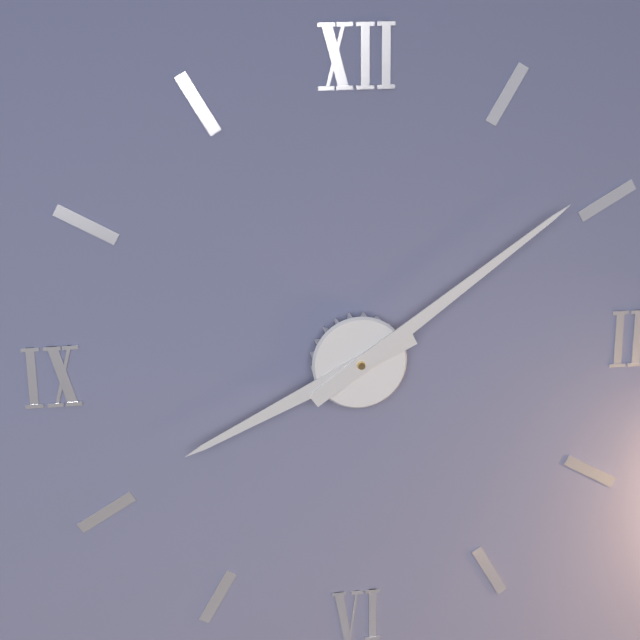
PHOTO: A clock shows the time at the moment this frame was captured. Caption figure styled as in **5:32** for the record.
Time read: **8:09**
